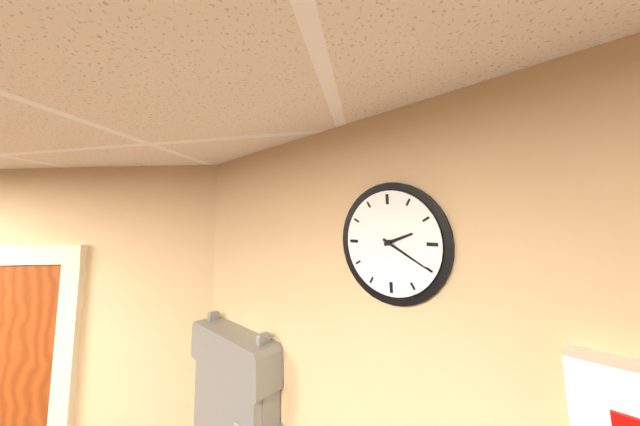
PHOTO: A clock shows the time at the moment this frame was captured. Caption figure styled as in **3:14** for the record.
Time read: **2:20**
